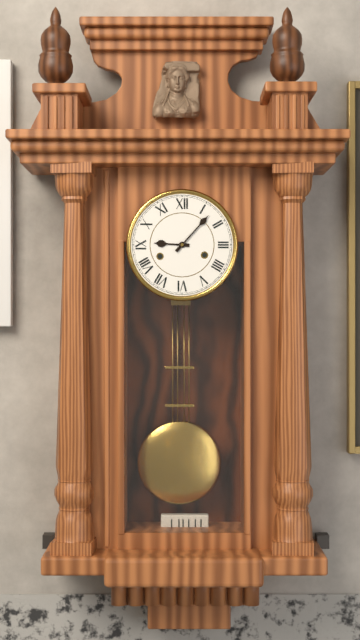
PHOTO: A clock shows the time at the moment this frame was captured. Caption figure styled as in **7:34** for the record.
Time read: **9:07**
